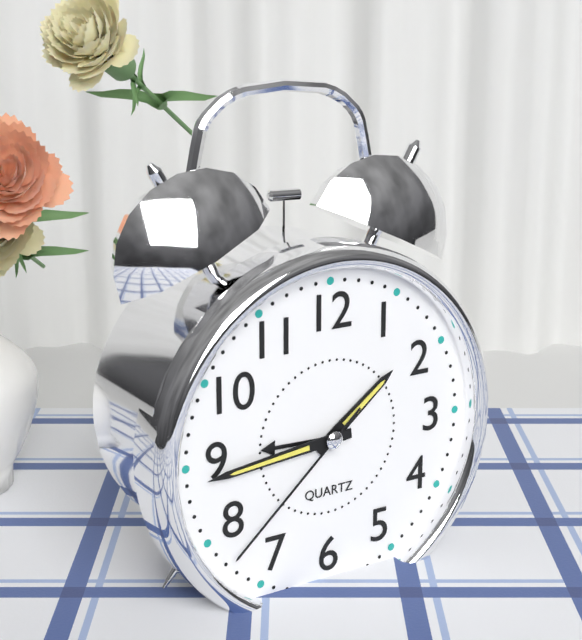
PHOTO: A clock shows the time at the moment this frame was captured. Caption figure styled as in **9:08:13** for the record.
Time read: **1:44:38**
